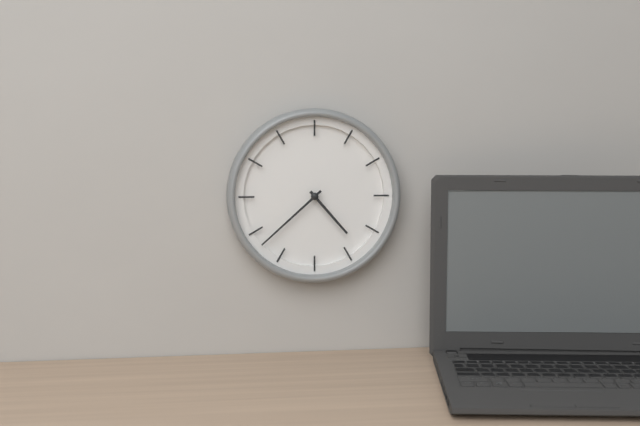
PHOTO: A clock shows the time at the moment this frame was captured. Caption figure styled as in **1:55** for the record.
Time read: **4:38**
